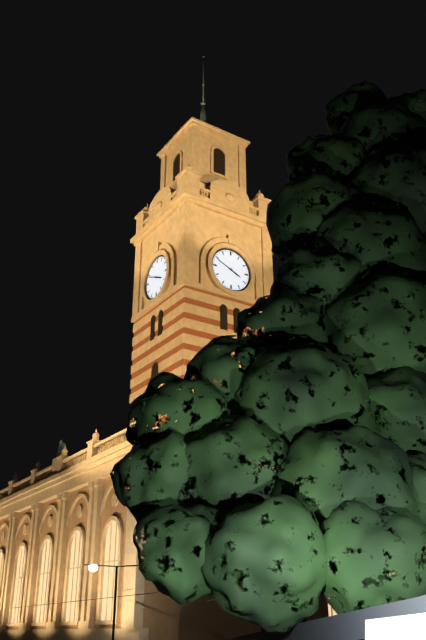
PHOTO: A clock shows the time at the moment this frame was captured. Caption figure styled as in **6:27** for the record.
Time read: **3:49**
